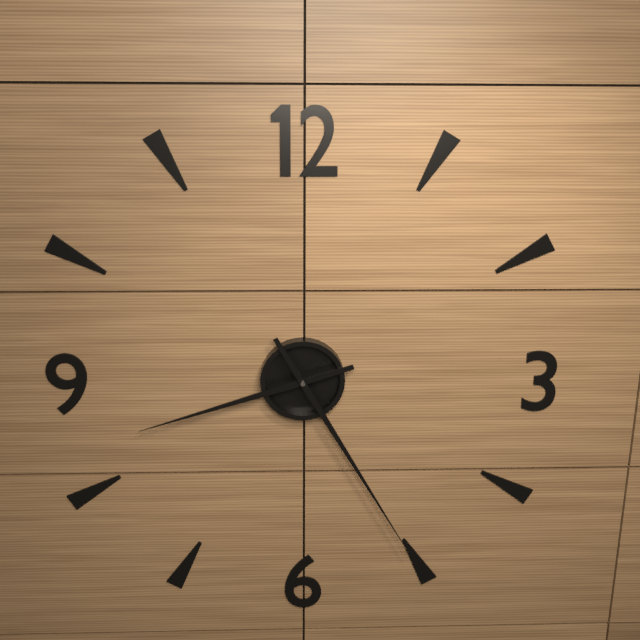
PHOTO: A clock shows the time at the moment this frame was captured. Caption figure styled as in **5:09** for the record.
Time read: **8:25**
